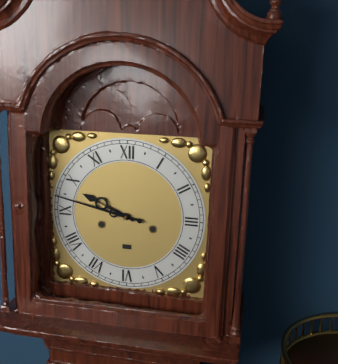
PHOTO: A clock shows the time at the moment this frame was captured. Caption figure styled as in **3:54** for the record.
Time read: **9:47**
